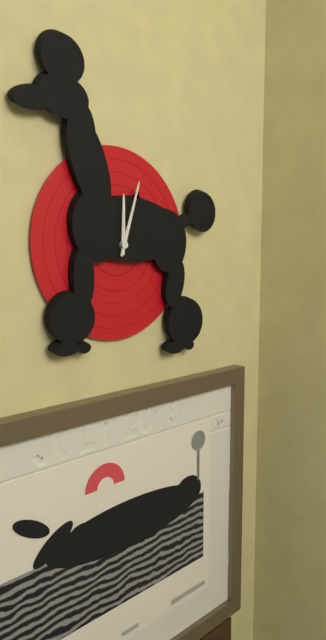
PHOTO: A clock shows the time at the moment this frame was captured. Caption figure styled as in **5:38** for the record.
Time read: **12:03**
